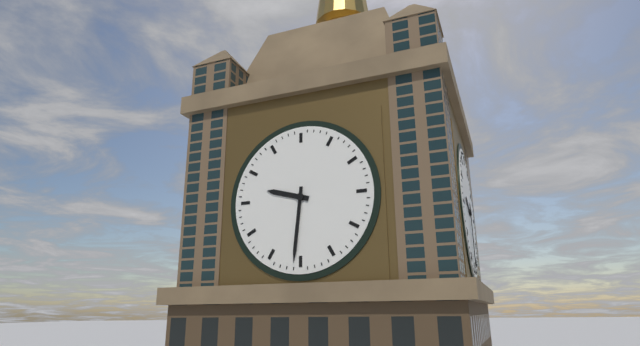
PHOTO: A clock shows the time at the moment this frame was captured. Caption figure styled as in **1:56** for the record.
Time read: **9:31**
